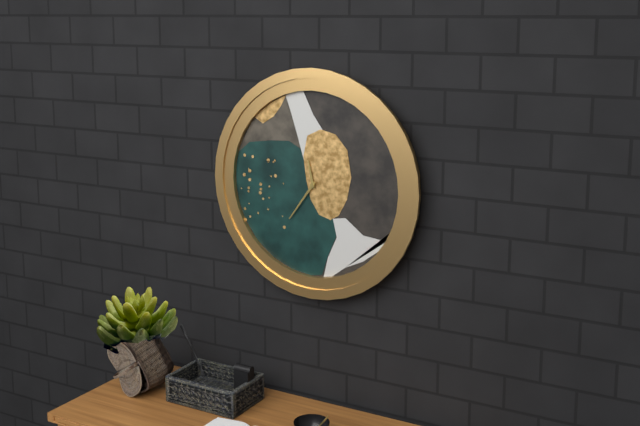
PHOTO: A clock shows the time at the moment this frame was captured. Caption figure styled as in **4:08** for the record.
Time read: **11:36**
